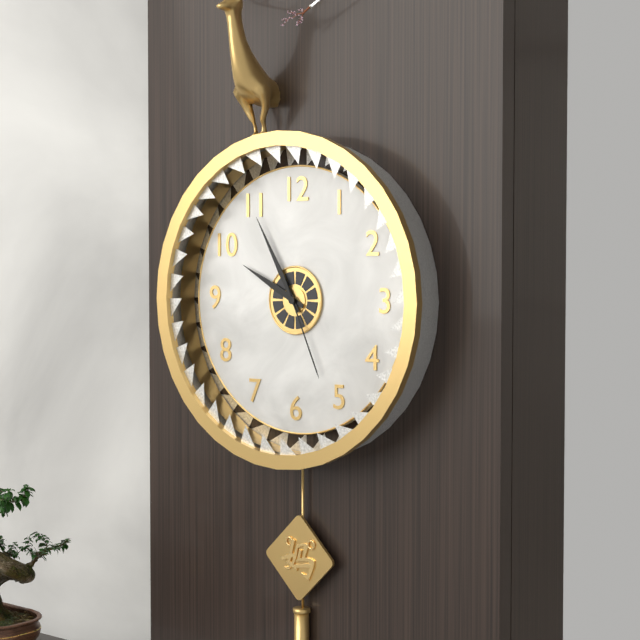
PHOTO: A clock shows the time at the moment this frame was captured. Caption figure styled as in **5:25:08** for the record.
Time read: **9:55:26**
